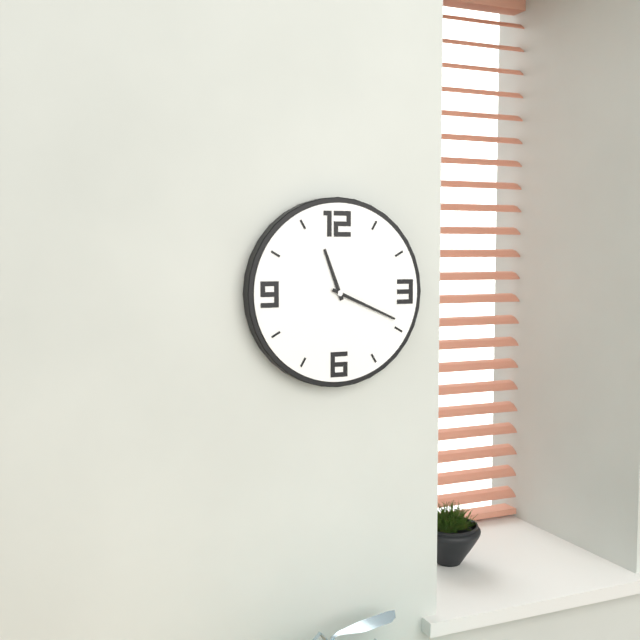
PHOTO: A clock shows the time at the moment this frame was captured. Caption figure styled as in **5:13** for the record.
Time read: **11:19**
